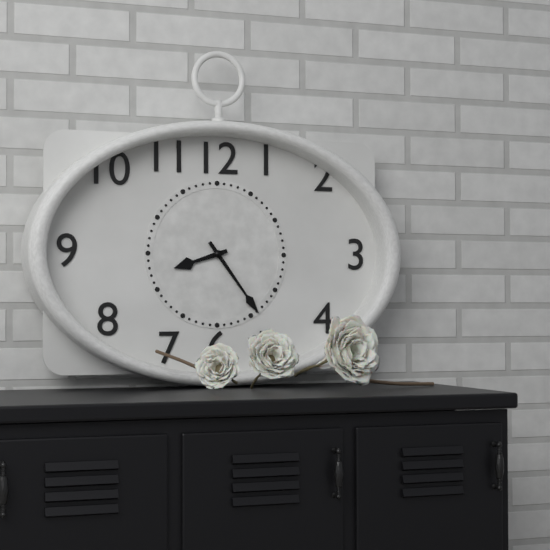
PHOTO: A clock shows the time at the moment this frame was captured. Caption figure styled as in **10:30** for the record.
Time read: **8:24**
